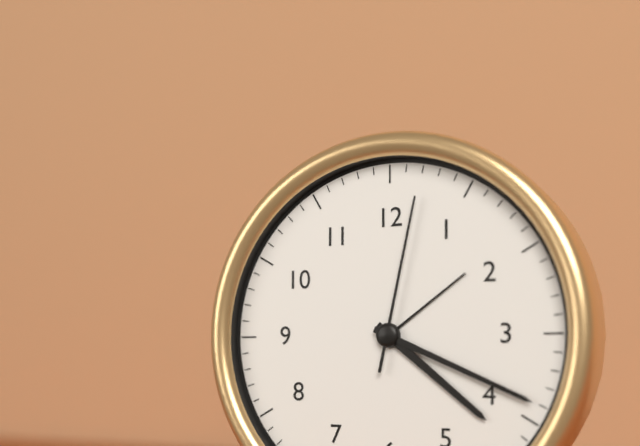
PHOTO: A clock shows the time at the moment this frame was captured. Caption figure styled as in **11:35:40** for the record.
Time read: **4:19:02**
